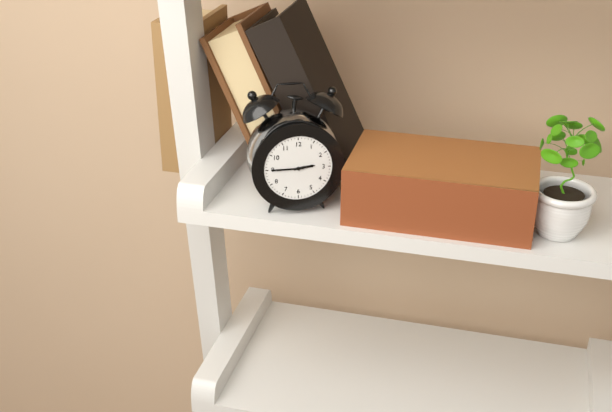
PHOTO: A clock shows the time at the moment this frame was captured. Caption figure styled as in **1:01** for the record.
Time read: **2:45**
